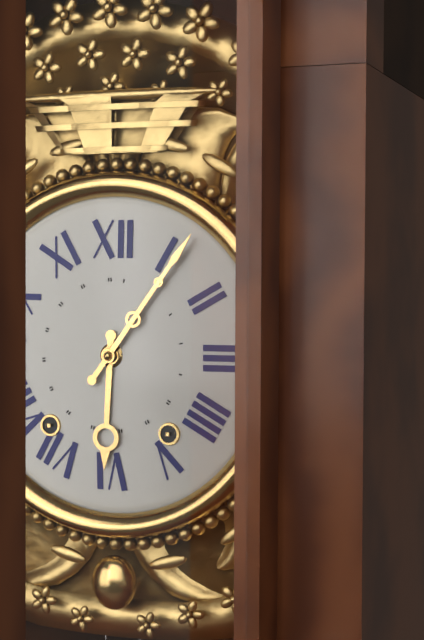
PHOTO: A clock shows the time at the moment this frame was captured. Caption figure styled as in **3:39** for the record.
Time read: **6:06**
